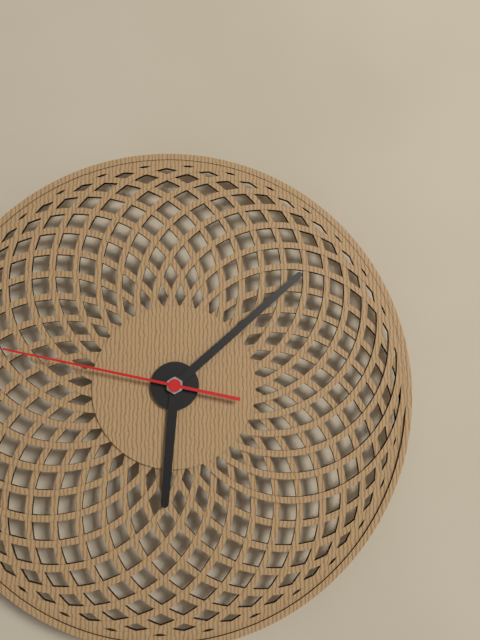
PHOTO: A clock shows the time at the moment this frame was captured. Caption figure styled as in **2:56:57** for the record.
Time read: **6:08:47**
